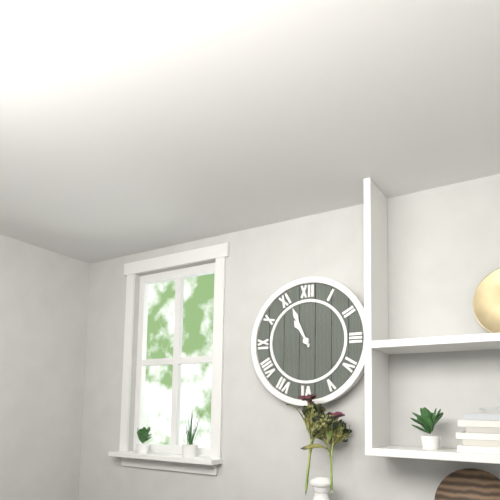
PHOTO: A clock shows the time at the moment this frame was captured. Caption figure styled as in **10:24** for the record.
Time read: **10:56**
